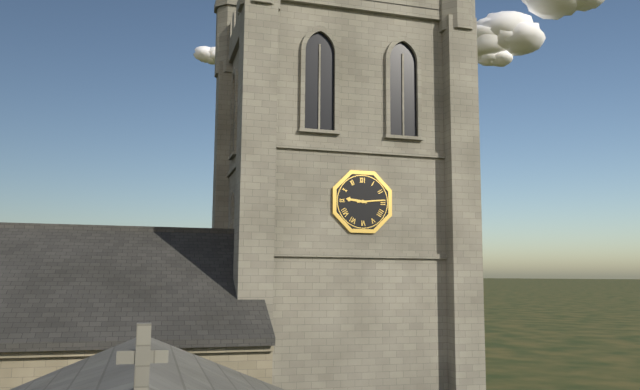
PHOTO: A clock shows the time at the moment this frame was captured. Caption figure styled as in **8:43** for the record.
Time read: **9:14**
